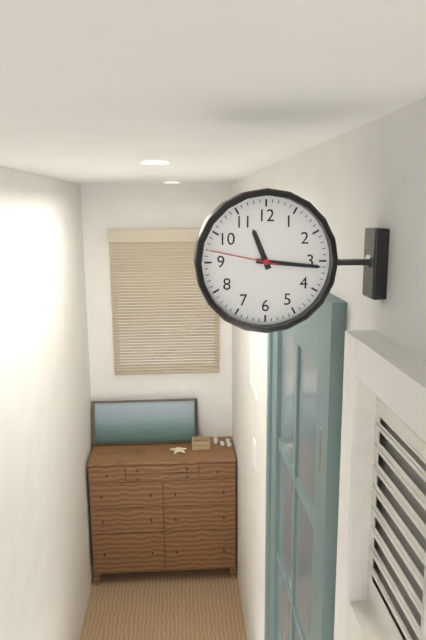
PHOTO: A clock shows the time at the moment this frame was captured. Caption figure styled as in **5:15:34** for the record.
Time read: **11:16:47**
